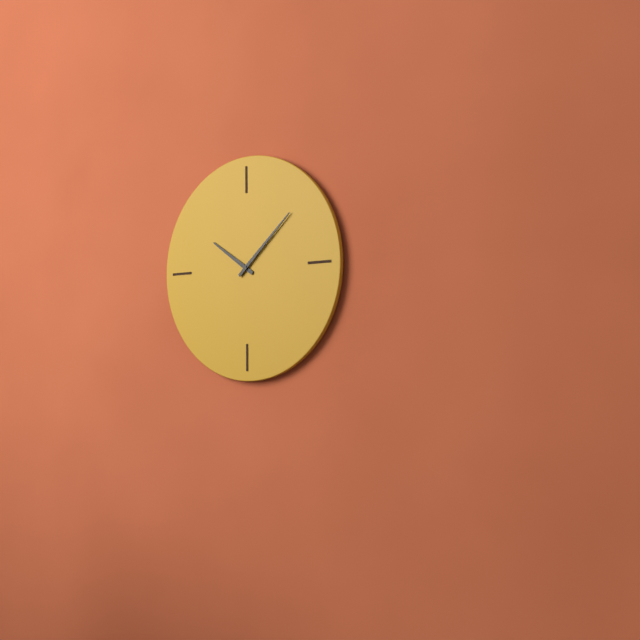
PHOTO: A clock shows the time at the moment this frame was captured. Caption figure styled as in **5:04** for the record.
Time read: **10:08**
